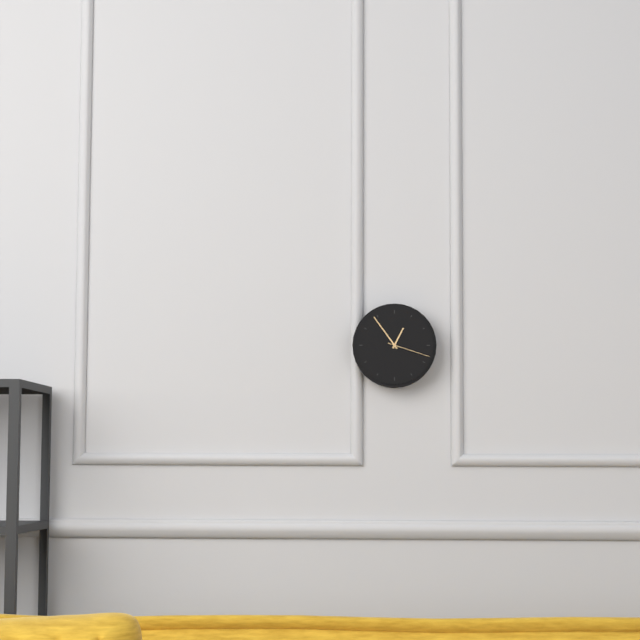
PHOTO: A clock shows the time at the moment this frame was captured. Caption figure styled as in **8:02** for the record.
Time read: **12:54**
